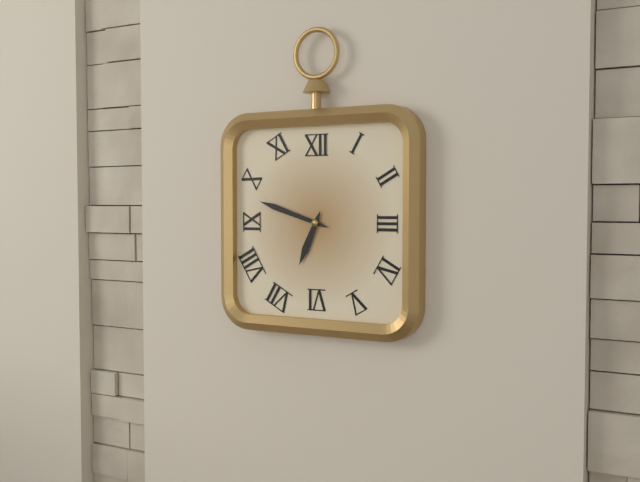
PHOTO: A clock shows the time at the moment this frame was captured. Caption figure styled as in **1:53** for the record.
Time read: **6:48**
